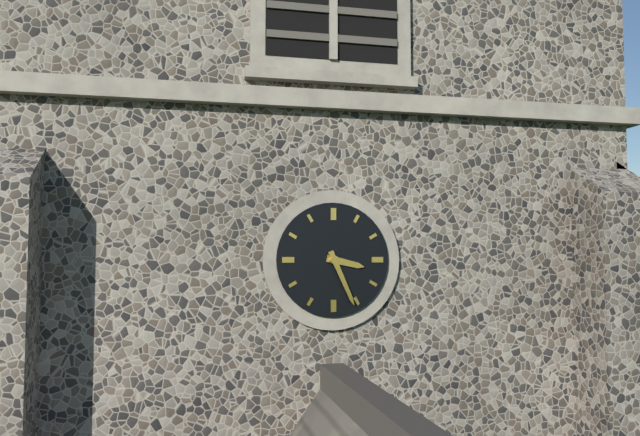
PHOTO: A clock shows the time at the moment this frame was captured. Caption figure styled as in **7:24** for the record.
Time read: **3:26**
